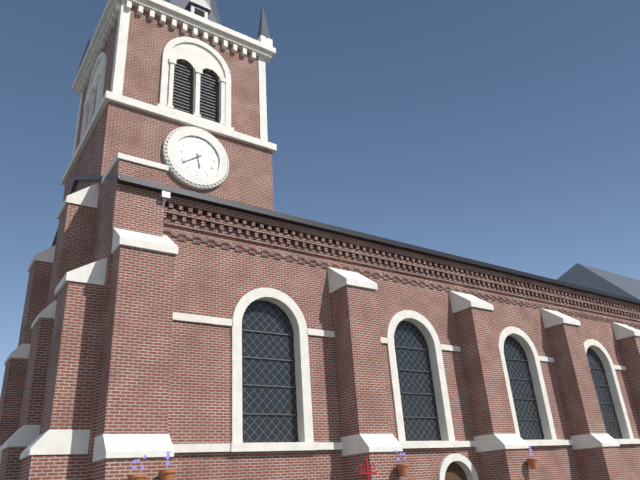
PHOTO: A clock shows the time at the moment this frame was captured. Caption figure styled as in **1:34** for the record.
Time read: **5:39**
